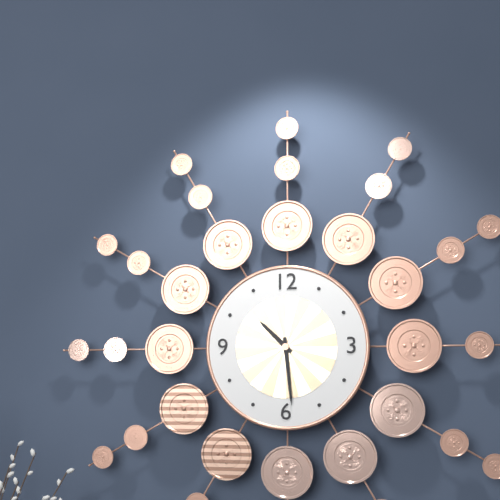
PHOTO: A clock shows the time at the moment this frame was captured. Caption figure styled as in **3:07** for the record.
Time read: **10:29**
